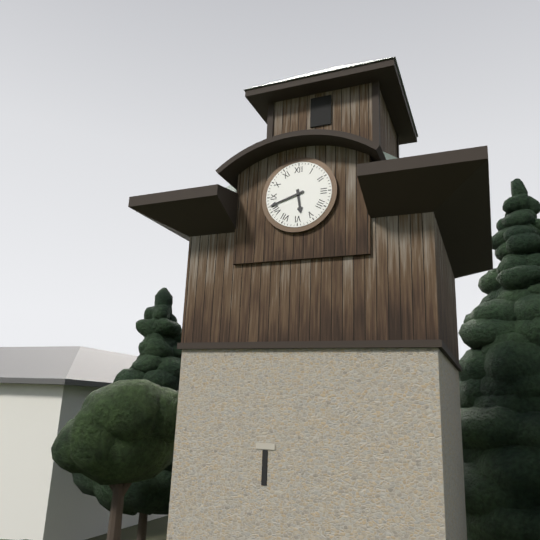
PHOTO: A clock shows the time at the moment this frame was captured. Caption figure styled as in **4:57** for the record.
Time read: **5:42**
